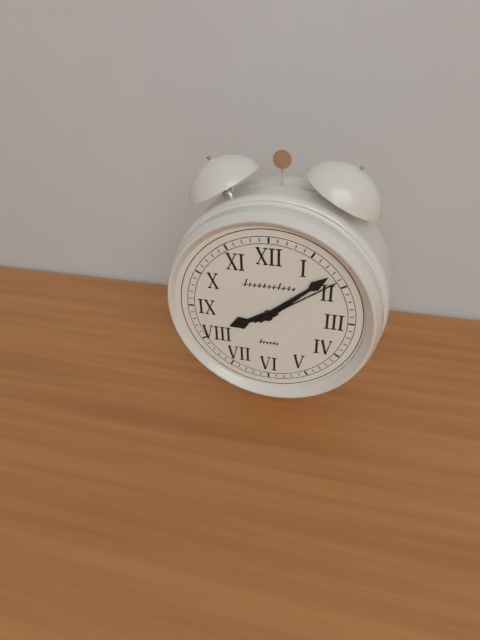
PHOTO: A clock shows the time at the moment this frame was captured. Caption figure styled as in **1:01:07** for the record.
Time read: **8:08:09**
